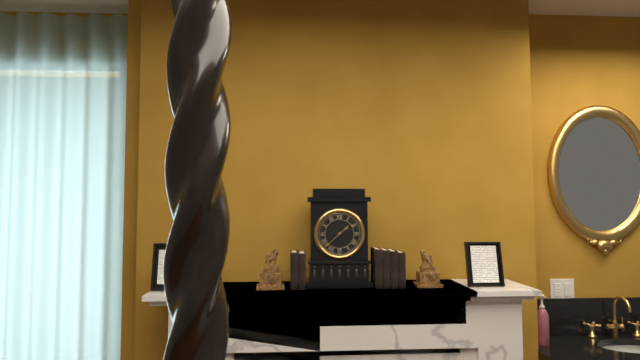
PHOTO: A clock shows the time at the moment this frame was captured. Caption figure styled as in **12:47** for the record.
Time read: **1:38**
